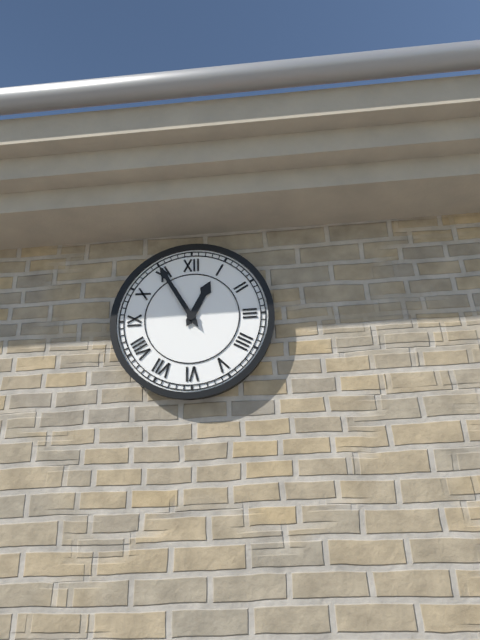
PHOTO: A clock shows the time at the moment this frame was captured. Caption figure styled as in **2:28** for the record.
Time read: **12:55**
